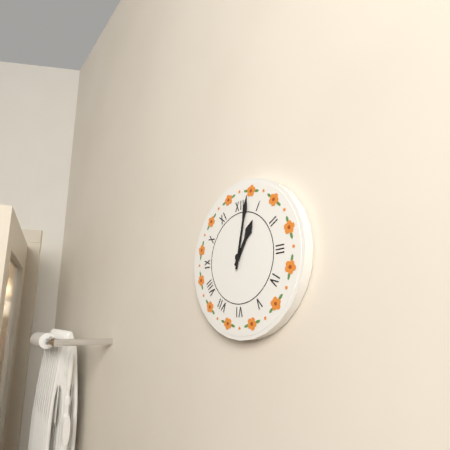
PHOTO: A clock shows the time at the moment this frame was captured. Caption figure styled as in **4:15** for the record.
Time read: **1:02**
